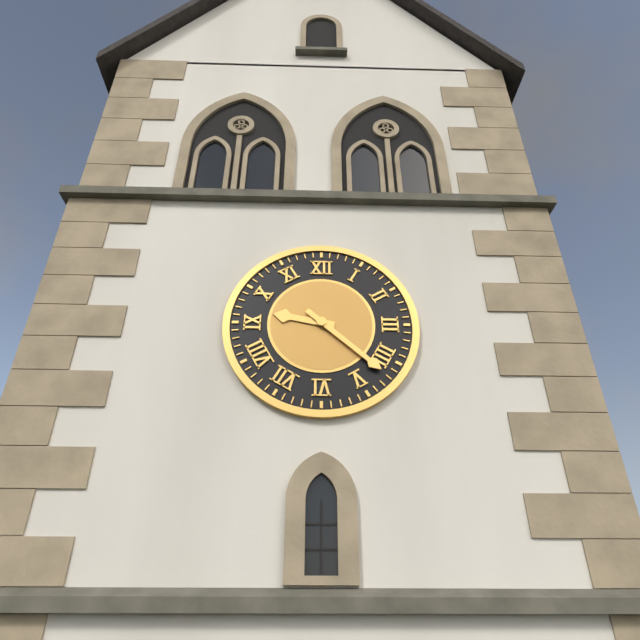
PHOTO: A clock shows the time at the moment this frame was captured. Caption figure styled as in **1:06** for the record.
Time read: **9:22**
